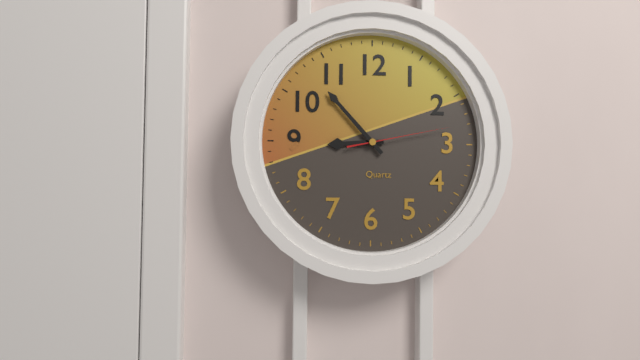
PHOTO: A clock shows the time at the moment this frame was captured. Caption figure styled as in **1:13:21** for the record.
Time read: **8:53:13**
